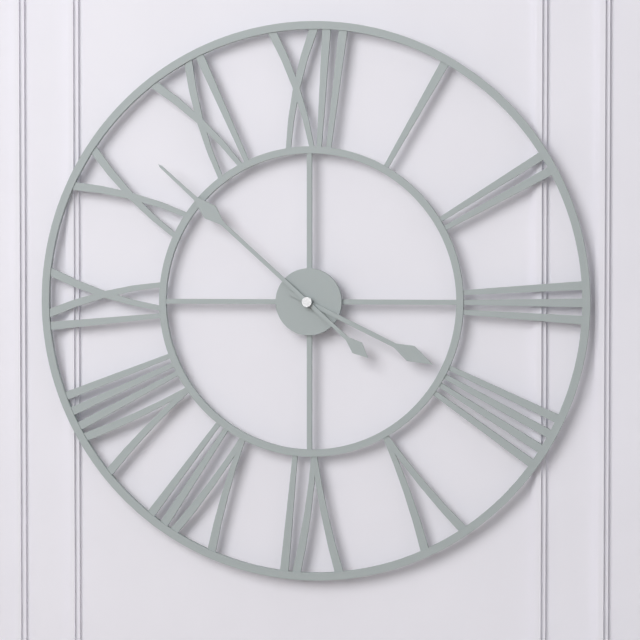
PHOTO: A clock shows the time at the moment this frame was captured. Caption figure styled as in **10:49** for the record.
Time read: **3:52**
